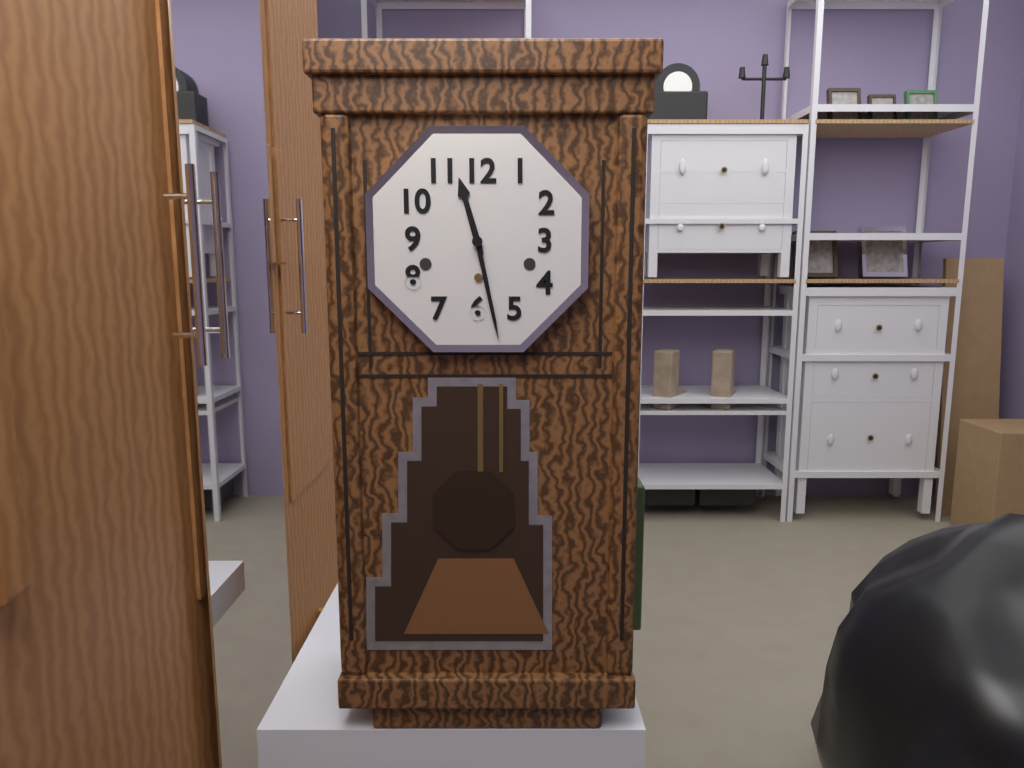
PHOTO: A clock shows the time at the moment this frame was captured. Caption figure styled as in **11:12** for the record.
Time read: **11:28**
